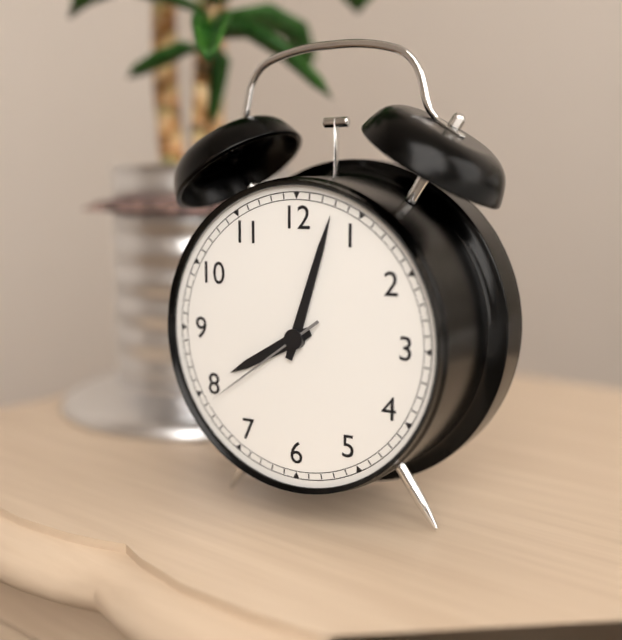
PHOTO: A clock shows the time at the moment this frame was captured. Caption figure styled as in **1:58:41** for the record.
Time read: **8:03:39**
